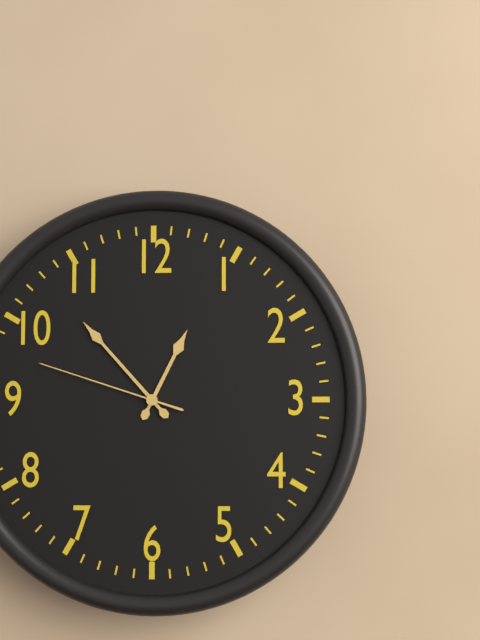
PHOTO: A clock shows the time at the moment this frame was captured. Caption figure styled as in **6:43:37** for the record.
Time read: **12:53:48**
